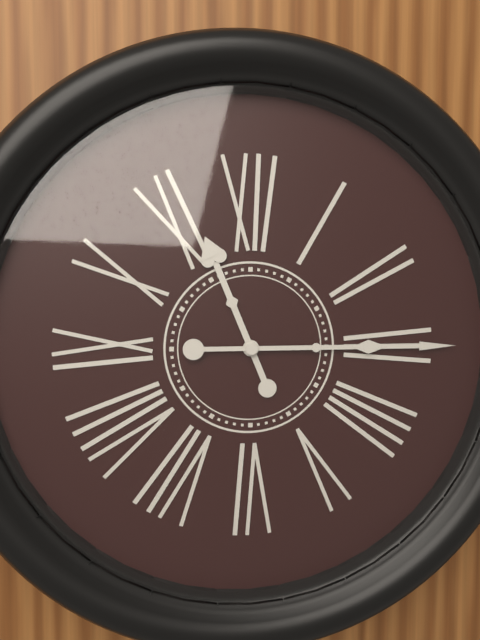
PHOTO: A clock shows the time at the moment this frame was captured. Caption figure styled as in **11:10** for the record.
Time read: **11:15**
